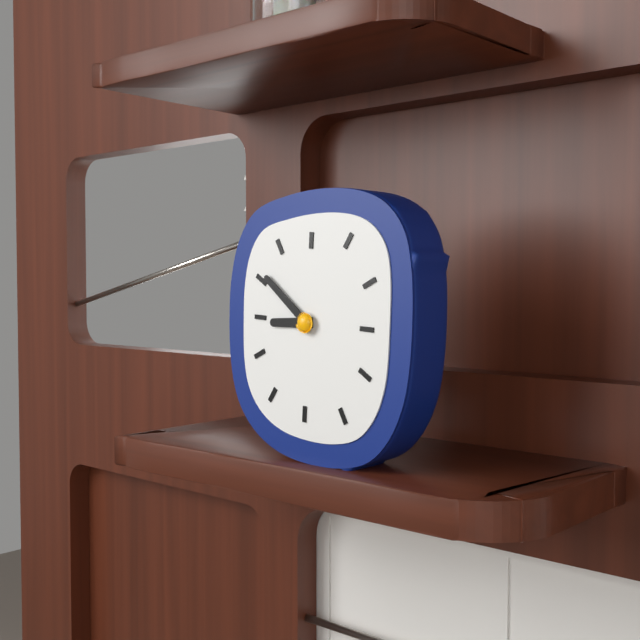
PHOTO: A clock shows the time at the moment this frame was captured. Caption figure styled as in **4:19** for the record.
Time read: **8:51**
